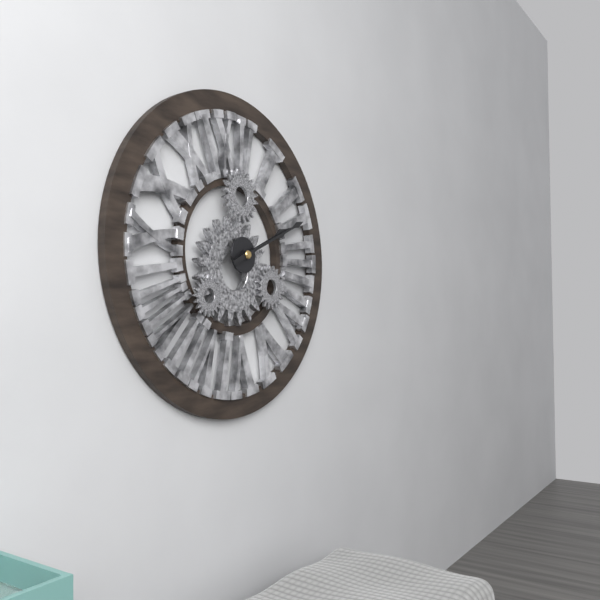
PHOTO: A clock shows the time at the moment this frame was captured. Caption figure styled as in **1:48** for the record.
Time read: **2:11**
